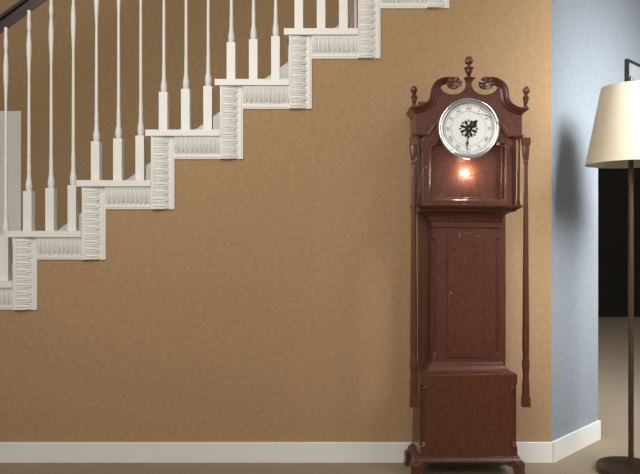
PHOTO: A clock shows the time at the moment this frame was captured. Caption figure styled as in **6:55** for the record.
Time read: **1:31**
